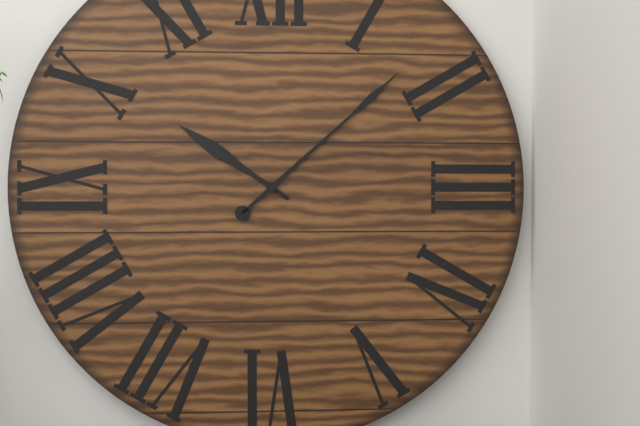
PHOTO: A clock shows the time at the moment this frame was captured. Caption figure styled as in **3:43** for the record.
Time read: **10:08**
